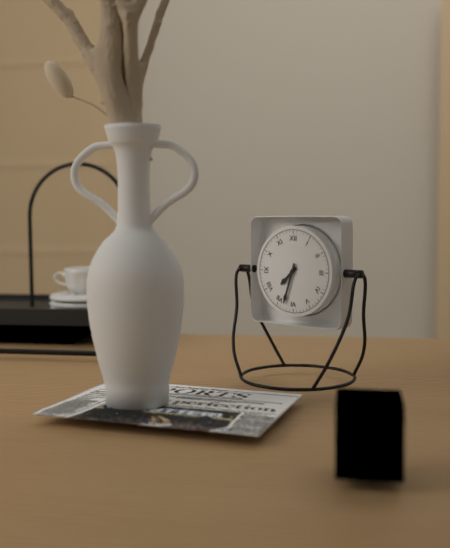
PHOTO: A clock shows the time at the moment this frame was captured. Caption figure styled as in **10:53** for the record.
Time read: **7:33**
